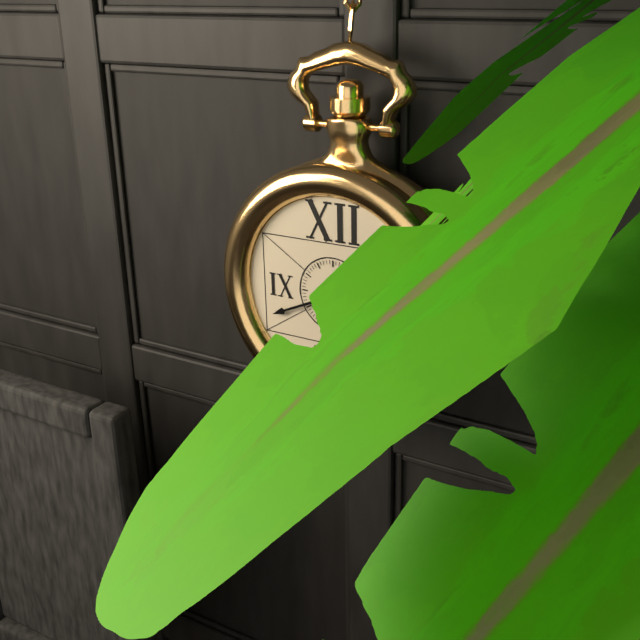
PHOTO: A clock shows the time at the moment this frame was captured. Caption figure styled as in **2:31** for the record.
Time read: **4:41**
